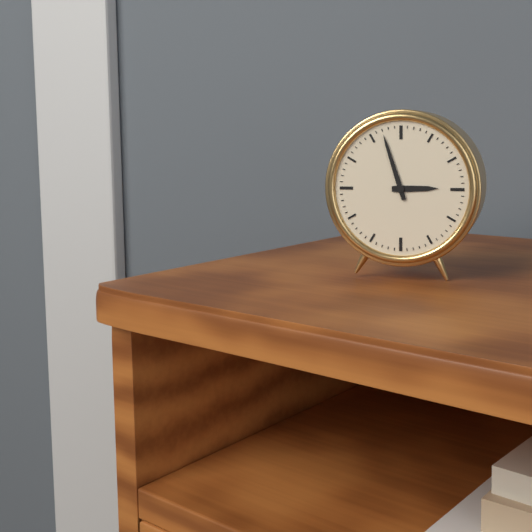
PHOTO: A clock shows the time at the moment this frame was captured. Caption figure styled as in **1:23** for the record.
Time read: **2:57**
